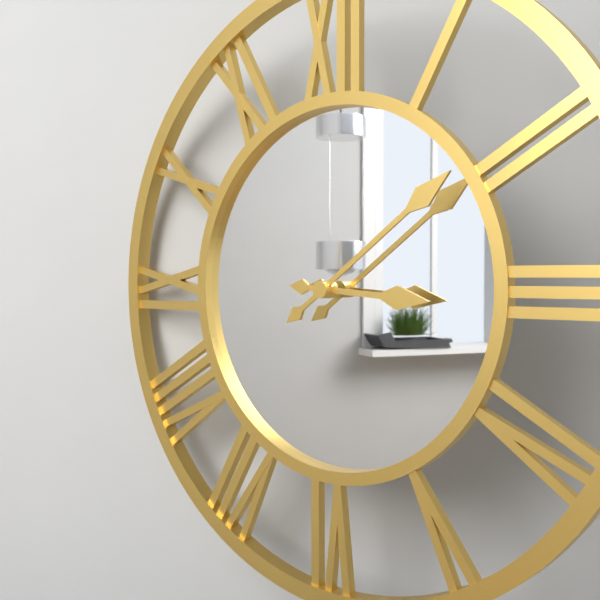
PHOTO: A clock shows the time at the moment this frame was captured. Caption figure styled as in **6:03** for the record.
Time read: **3:09**
